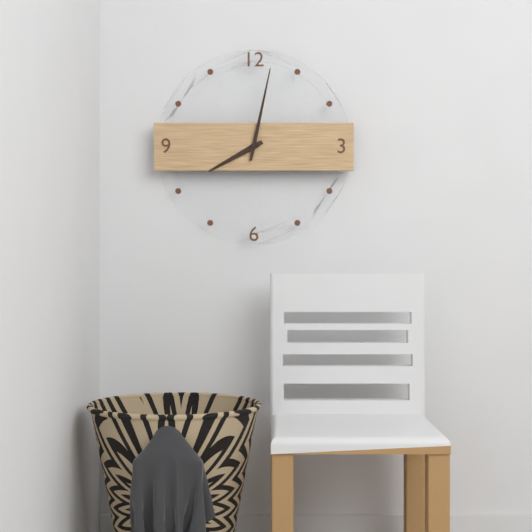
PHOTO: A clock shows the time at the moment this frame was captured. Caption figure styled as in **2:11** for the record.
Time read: **8:02**
